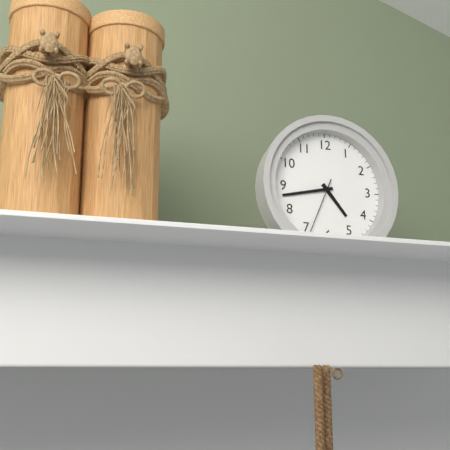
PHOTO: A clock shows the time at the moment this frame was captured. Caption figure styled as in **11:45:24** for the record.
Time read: **4:43:34**
